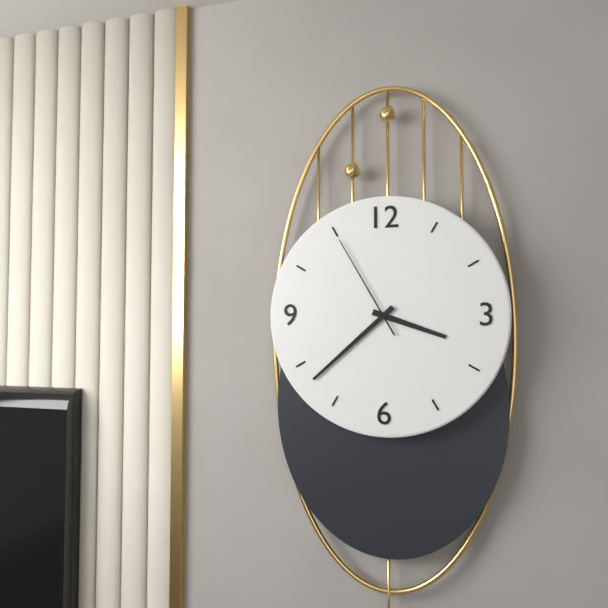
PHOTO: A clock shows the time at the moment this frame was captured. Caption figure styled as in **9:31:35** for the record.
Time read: **3:38:55**
